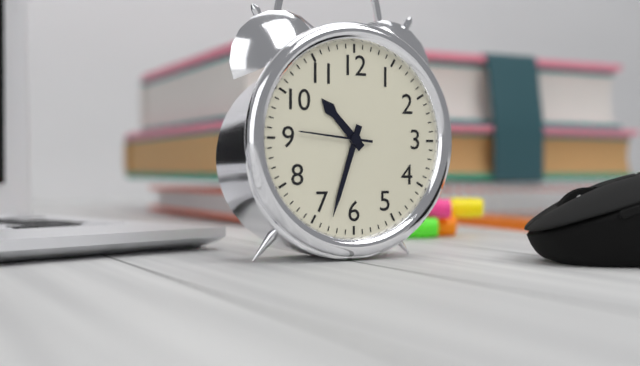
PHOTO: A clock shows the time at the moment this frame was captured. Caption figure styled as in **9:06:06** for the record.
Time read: **10:33:46**
